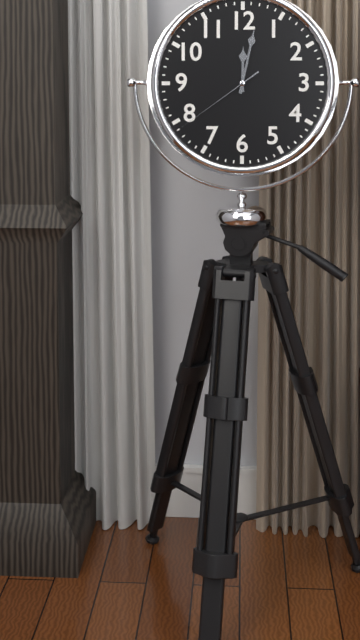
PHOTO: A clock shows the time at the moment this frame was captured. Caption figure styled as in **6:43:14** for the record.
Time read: **12:02:39**
